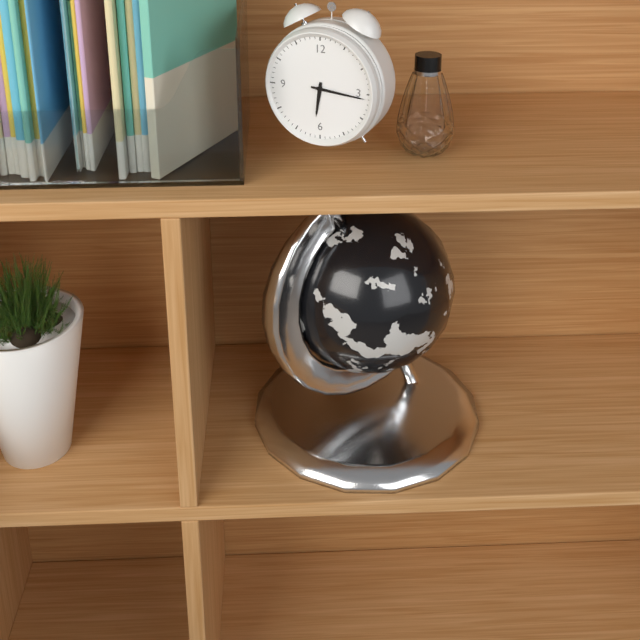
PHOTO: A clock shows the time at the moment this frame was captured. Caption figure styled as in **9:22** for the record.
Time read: **6:16**
